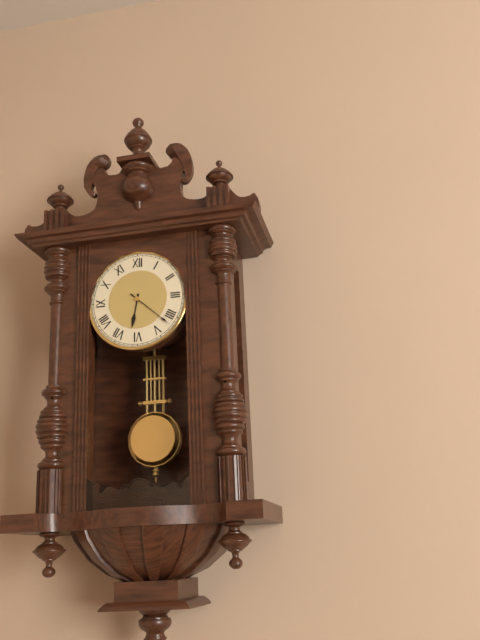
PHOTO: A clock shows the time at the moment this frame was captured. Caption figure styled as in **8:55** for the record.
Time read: **6:22**
